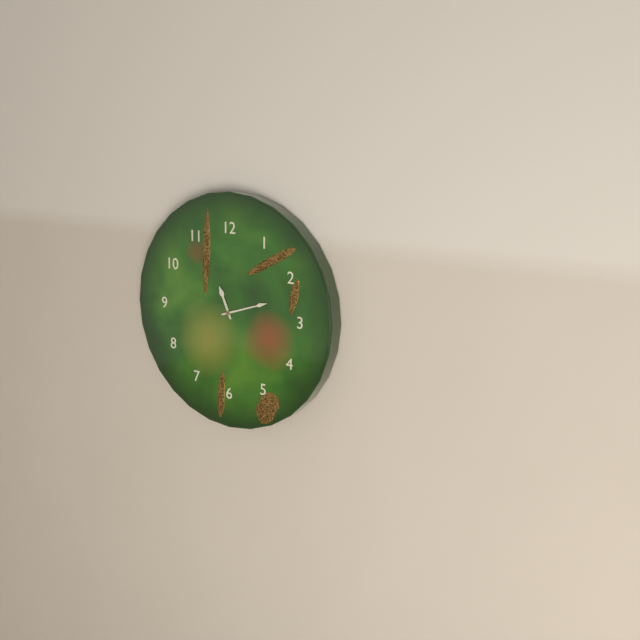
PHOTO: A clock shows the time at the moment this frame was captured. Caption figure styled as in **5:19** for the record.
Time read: **11:12**
